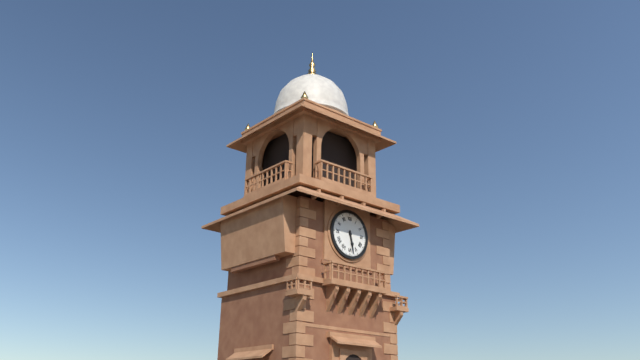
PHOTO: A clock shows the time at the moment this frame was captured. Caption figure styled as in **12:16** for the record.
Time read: **5:28**
